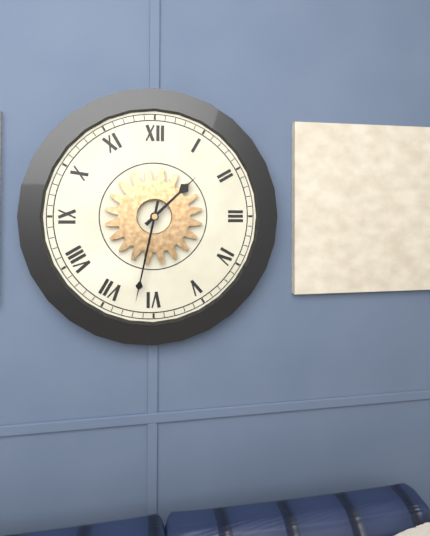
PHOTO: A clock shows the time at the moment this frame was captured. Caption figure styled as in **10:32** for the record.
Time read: **1:32**
